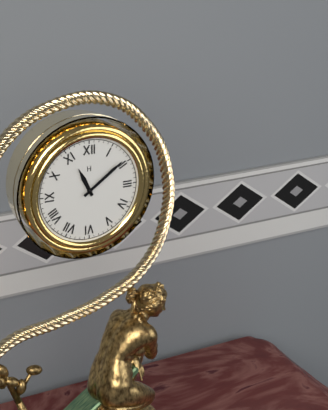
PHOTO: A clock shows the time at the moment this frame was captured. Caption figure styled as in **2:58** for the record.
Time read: **11:09**
